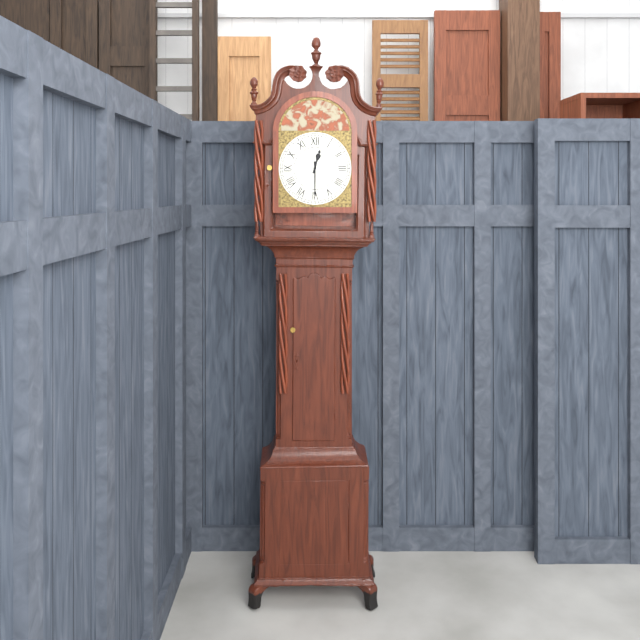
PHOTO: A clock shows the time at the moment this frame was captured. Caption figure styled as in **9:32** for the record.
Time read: **12:30**
